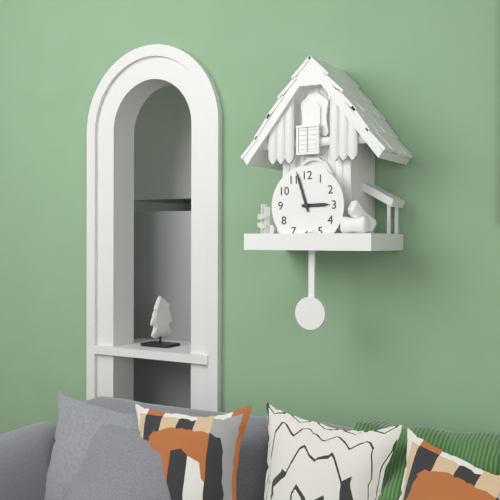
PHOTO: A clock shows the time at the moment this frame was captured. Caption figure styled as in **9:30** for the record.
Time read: **2:57**
